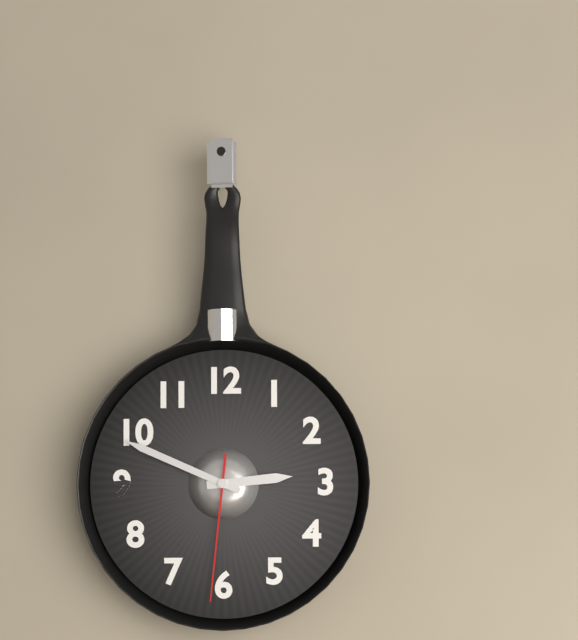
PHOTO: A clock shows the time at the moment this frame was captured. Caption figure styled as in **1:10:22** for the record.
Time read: **2:49:31**
